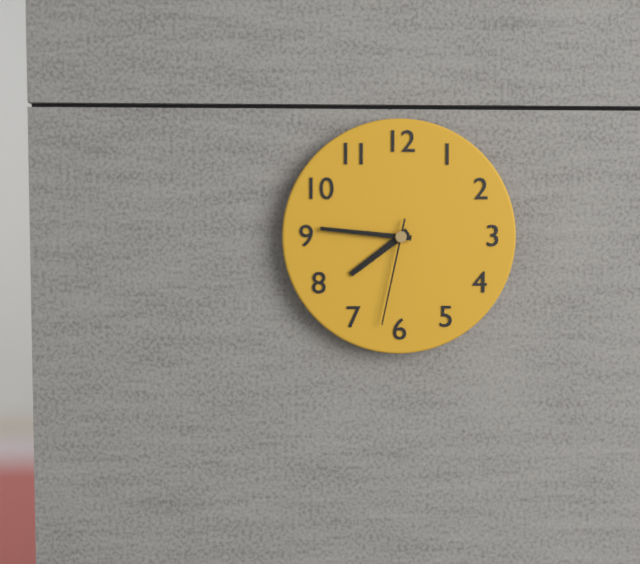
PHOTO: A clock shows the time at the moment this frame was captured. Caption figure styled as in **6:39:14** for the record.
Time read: **7:46:32**
